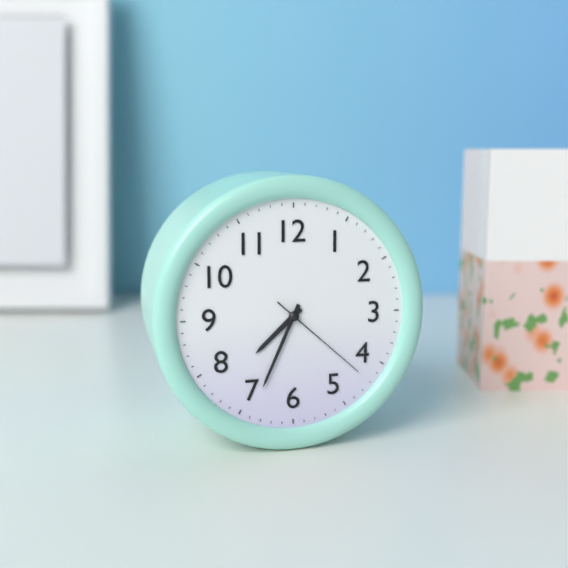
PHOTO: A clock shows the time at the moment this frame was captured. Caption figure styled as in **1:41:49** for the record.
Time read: **7:34:22**
